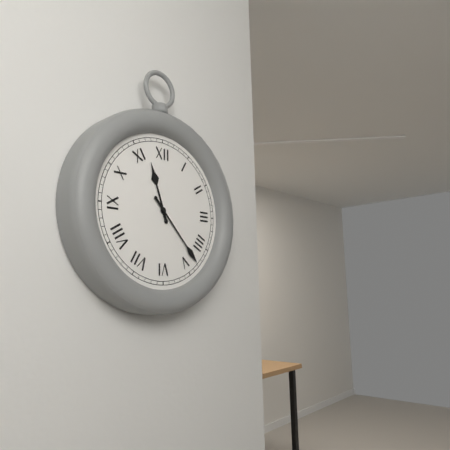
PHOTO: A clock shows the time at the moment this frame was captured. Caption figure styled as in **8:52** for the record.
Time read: **11:23**
